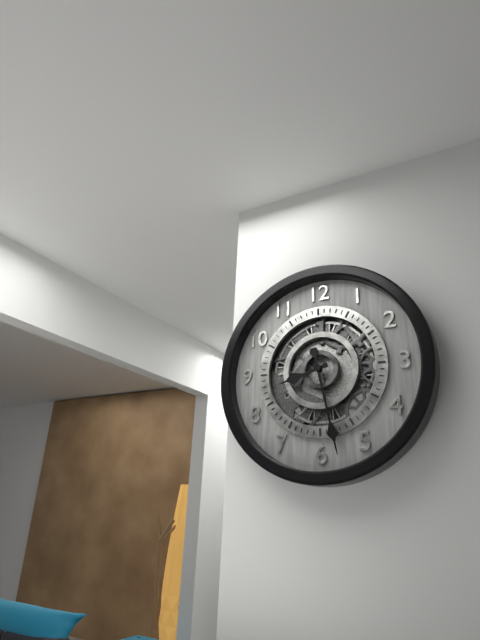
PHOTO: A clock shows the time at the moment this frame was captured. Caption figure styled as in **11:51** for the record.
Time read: **8:28**
